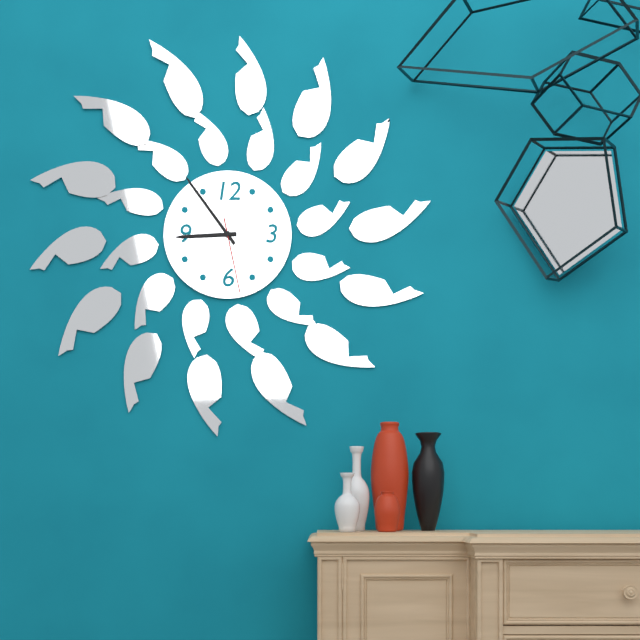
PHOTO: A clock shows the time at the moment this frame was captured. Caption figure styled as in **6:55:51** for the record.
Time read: **8:54:28**
